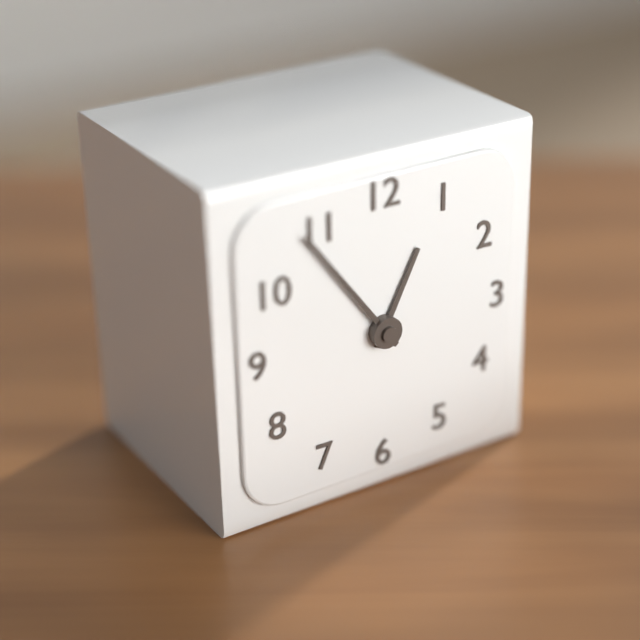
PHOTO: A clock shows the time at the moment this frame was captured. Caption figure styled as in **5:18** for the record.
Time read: **12:54**
